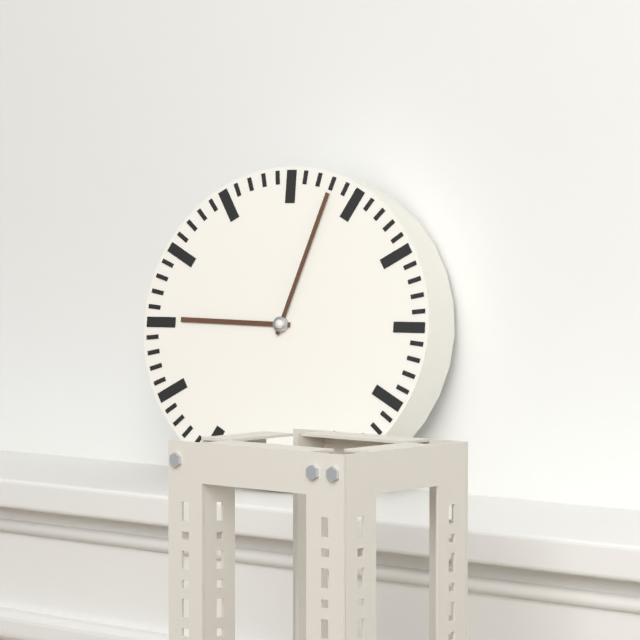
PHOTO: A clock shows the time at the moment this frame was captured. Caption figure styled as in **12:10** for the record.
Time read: **9:03**
